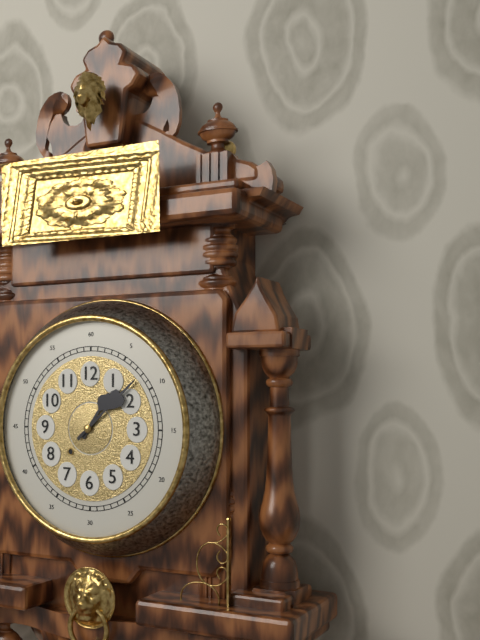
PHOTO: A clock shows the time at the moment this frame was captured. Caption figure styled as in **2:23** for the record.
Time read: **1:08**
